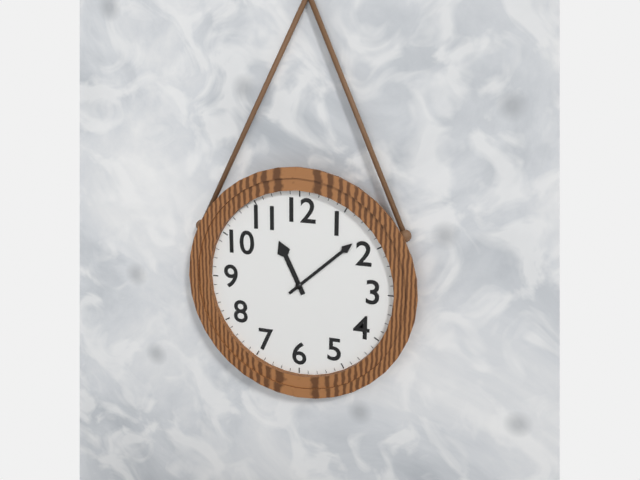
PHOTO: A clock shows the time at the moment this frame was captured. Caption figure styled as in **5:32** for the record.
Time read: **11:08**
